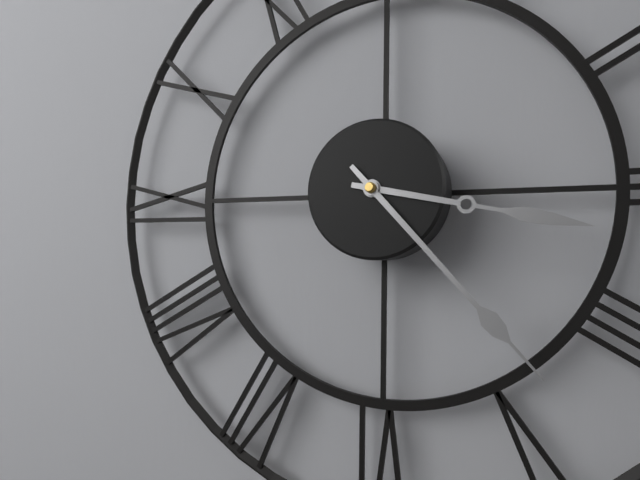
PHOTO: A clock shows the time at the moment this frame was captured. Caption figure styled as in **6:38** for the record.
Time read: **3:23**
